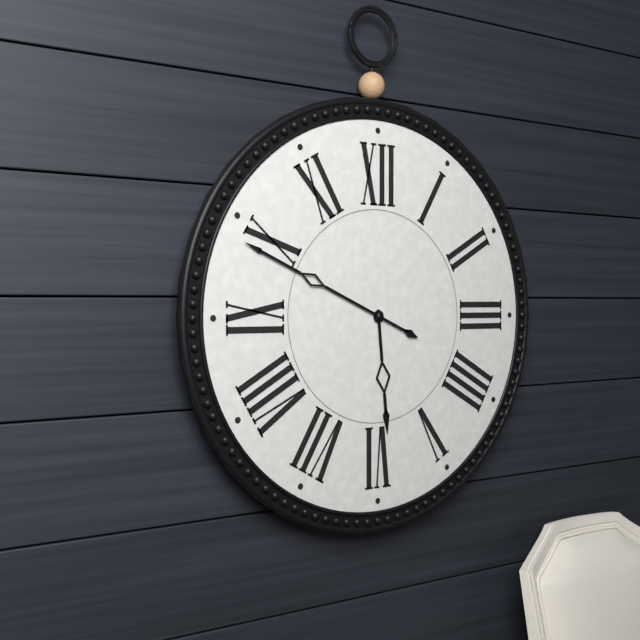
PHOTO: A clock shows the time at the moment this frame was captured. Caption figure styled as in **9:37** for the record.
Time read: **5:49**
